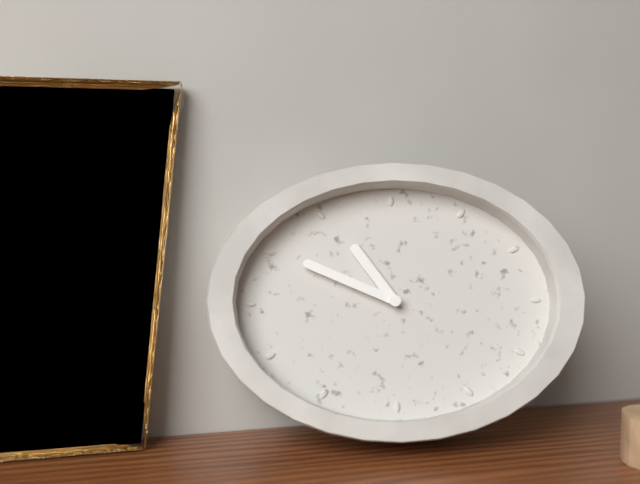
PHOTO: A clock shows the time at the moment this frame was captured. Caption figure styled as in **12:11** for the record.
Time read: **10:49**
